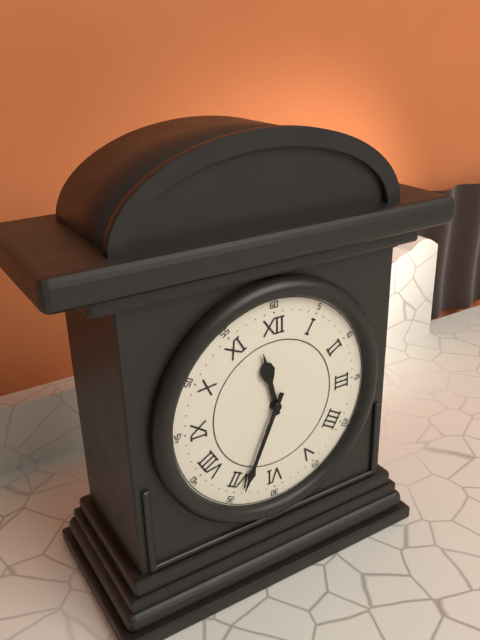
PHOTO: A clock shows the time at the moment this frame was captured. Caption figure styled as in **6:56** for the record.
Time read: **11:34**
